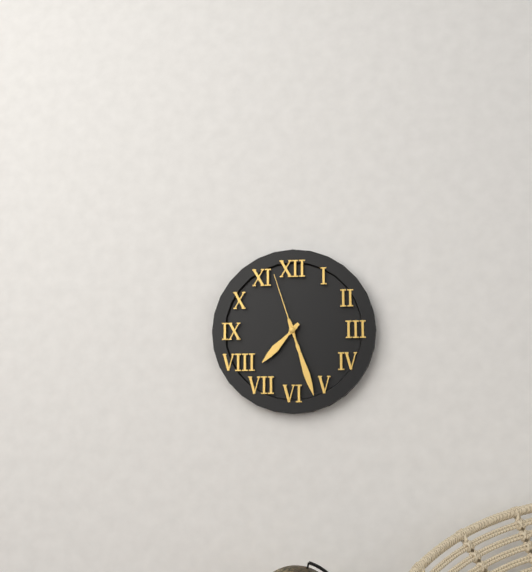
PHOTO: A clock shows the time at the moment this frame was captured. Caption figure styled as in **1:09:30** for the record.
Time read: **7:27:57**
